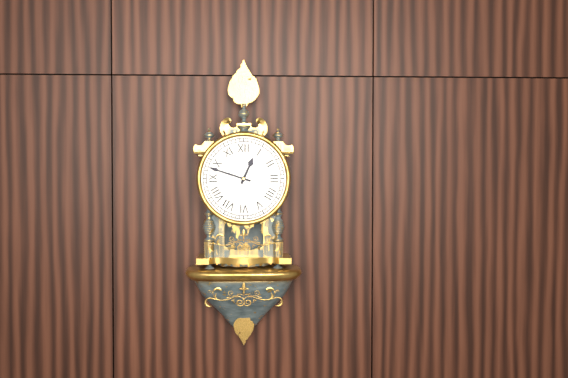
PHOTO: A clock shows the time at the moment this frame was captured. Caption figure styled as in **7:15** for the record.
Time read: **12:48**
